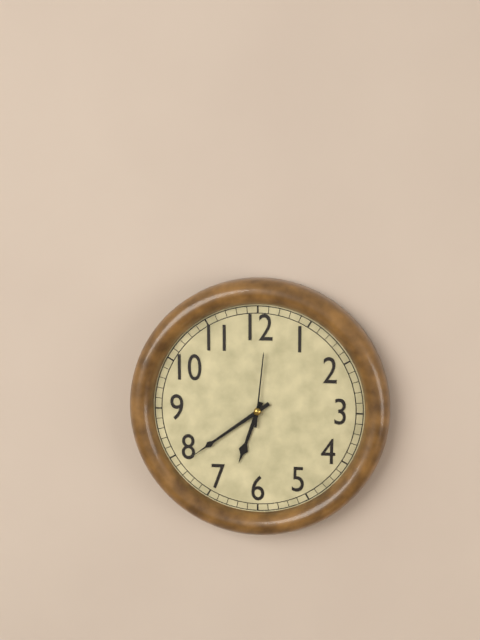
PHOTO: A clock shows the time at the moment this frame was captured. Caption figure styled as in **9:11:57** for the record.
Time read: **6:39:01**
